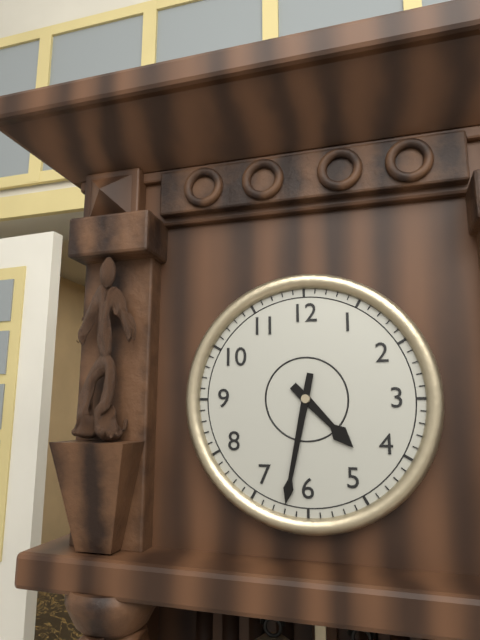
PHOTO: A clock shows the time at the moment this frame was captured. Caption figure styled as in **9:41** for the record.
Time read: **4:32**
